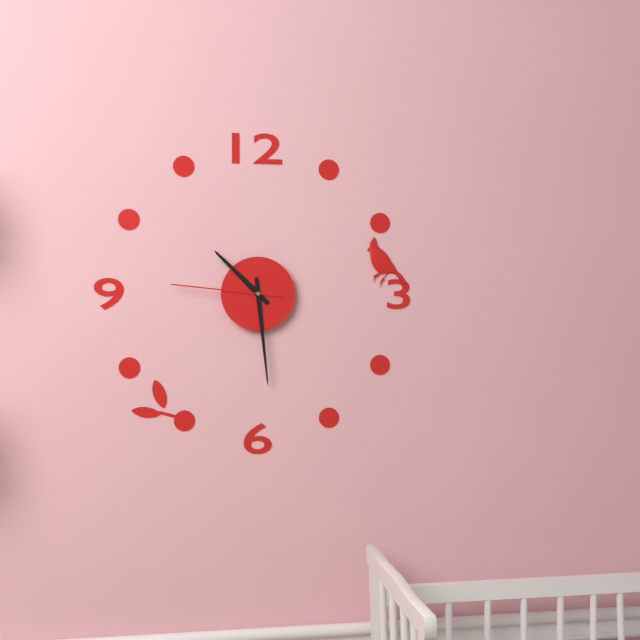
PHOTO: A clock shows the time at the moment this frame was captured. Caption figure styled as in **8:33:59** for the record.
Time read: **10:29:46**
